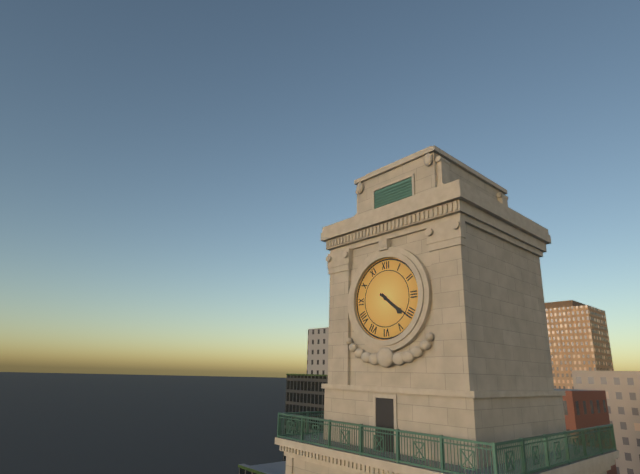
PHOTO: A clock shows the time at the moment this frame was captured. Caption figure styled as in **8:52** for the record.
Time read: **4:21**
